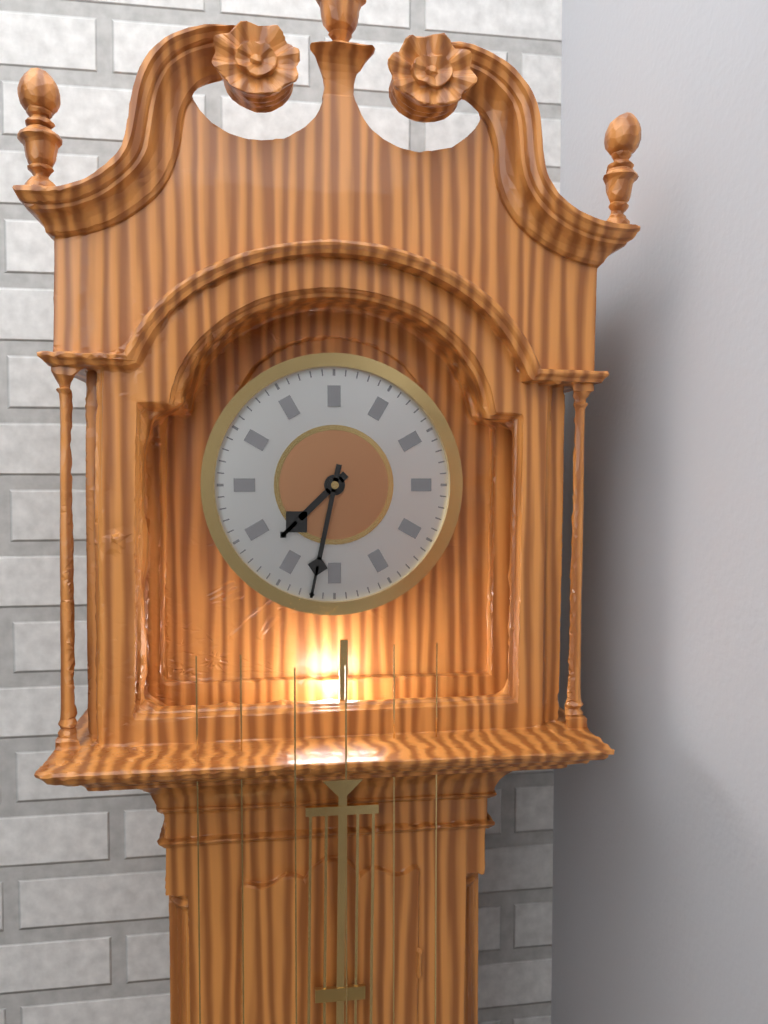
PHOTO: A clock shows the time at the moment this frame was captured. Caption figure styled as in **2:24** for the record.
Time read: **7:32**
